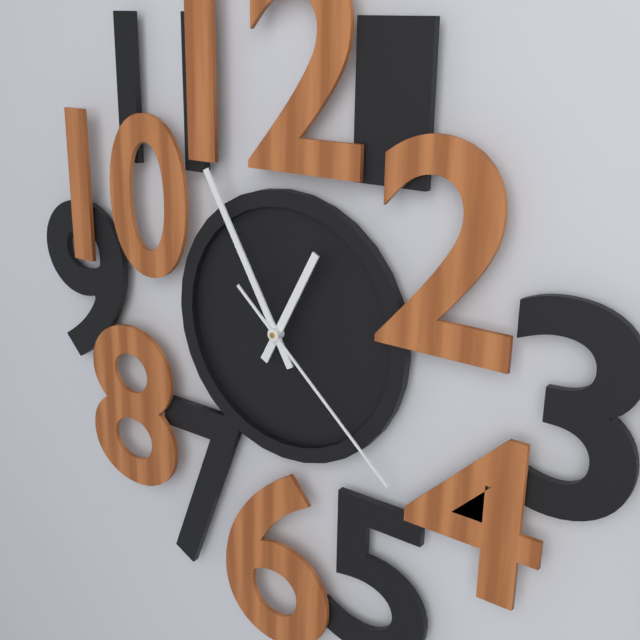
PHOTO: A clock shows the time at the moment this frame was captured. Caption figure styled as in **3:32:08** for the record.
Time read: **12:55:22**
